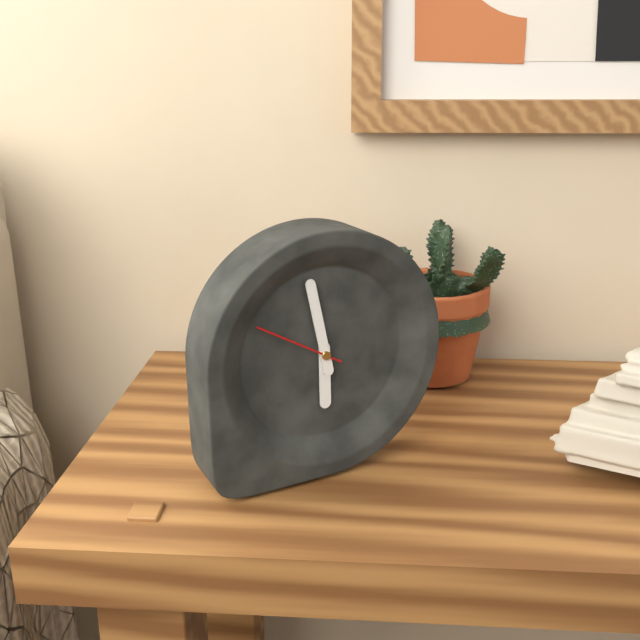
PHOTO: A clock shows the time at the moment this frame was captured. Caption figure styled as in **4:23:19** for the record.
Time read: **5:58:50**
